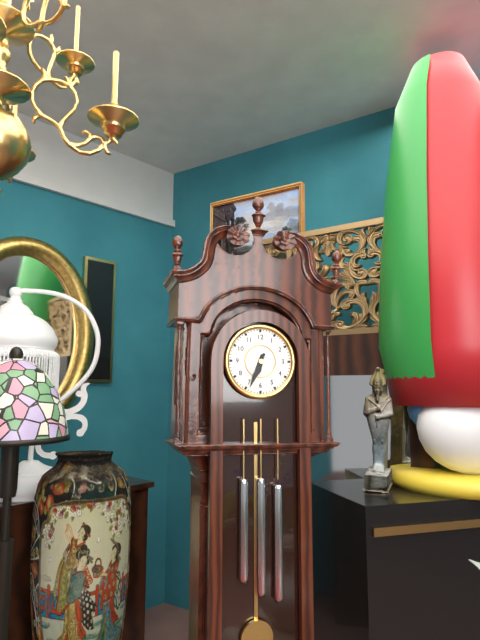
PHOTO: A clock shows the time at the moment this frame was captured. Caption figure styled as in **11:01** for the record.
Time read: **6:34**
